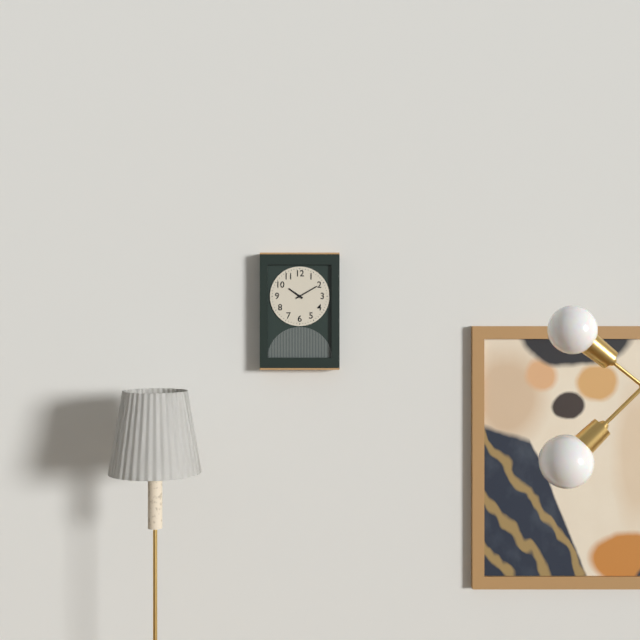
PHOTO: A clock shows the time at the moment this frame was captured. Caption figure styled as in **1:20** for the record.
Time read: **10:10**
